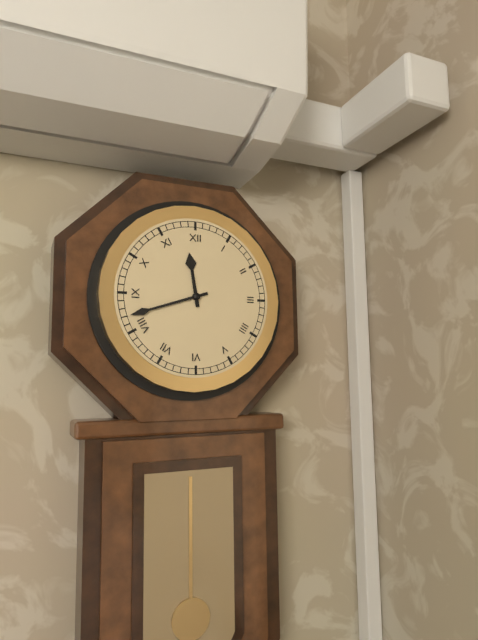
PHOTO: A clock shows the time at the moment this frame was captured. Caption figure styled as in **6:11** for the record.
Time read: **11:42**
